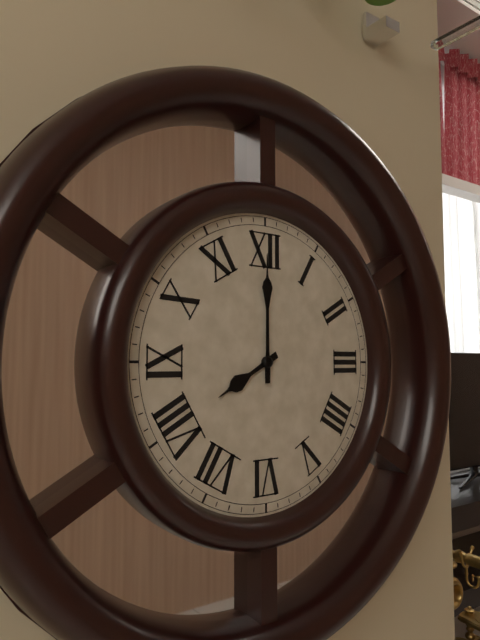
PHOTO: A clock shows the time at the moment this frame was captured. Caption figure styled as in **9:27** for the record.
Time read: **8:00**
